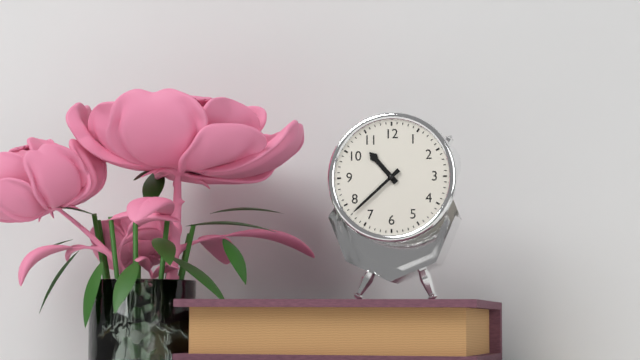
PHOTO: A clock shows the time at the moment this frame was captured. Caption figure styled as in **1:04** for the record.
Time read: **10:38**
